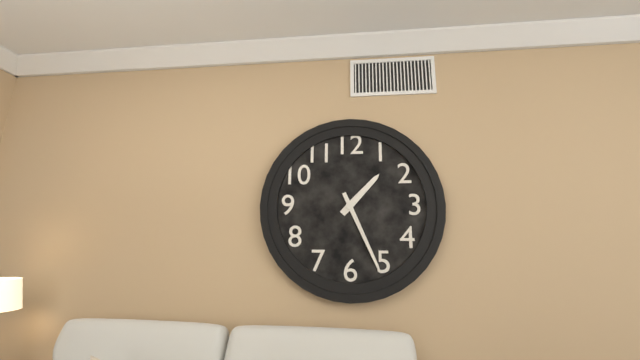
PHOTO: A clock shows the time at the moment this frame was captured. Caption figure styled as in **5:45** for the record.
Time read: **1:26**
